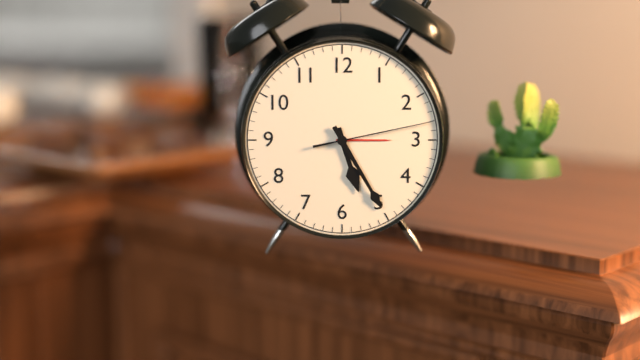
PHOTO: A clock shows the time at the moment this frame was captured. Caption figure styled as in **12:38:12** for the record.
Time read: **5:25:13**
